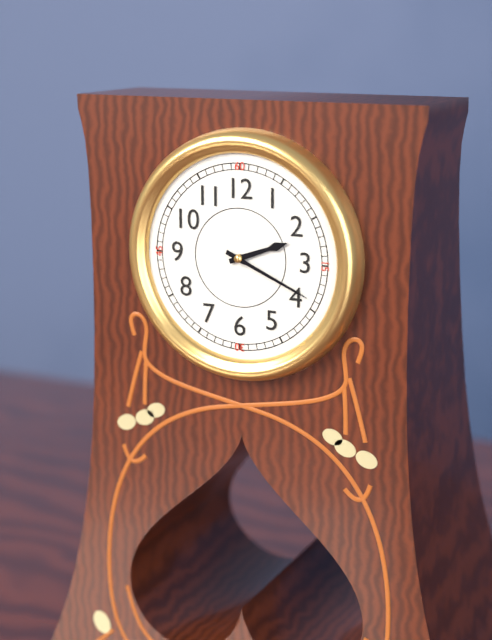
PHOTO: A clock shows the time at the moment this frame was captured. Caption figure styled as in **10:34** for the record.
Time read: **2:19**
